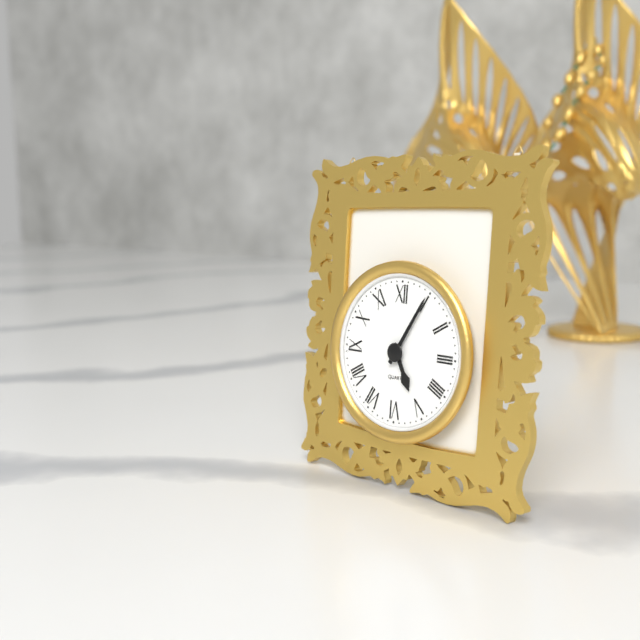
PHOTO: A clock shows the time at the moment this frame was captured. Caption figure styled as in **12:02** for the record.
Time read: **5:05**
